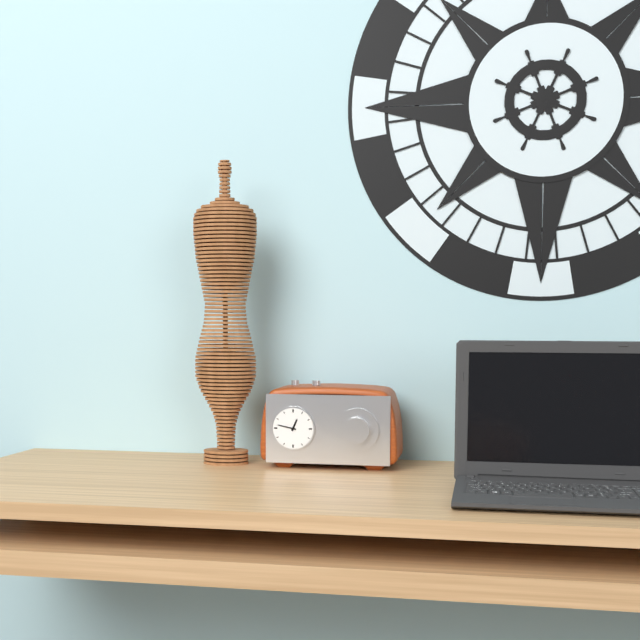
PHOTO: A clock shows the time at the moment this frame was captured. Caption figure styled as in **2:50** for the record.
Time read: **12:47**
